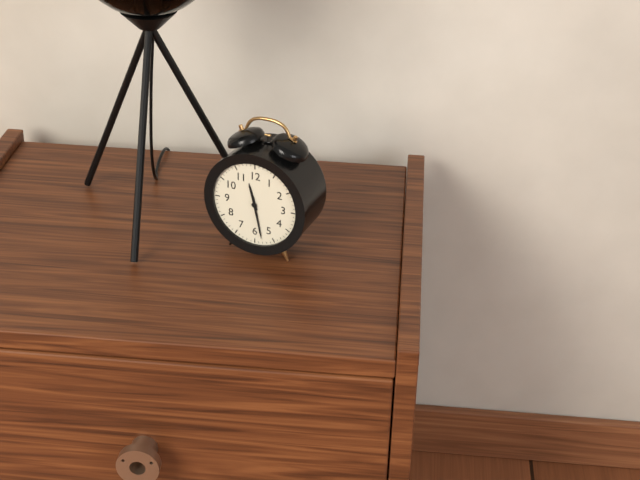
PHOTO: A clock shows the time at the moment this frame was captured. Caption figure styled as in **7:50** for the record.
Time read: **11:28**
